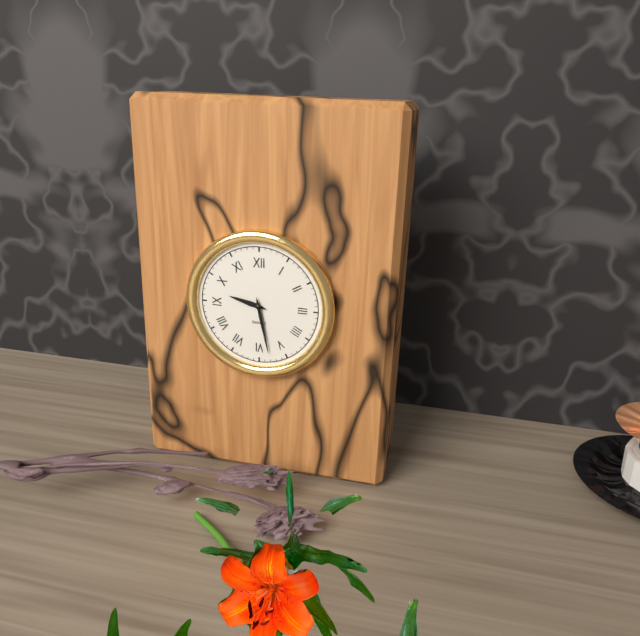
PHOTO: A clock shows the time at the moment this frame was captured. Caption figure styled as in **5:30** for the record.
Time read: **9:28**
